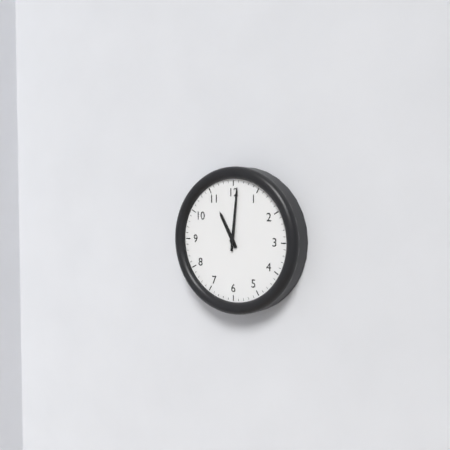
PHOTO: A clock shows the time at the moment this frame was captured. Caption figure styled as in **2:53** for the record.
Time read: **11:01**
